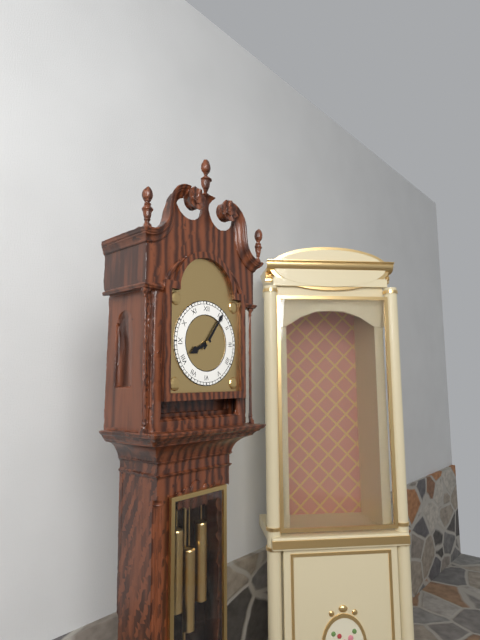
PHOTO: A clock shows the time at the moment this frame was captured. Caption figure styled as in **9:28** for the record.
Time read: **8:06**
